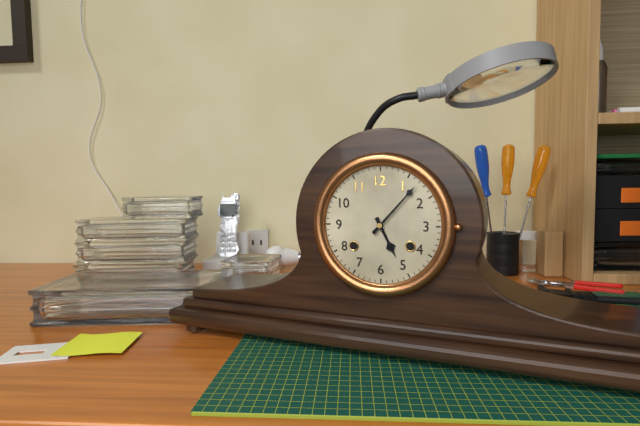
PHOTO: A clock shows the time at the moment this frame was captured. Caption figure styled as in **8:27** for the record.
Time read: **5:07**
